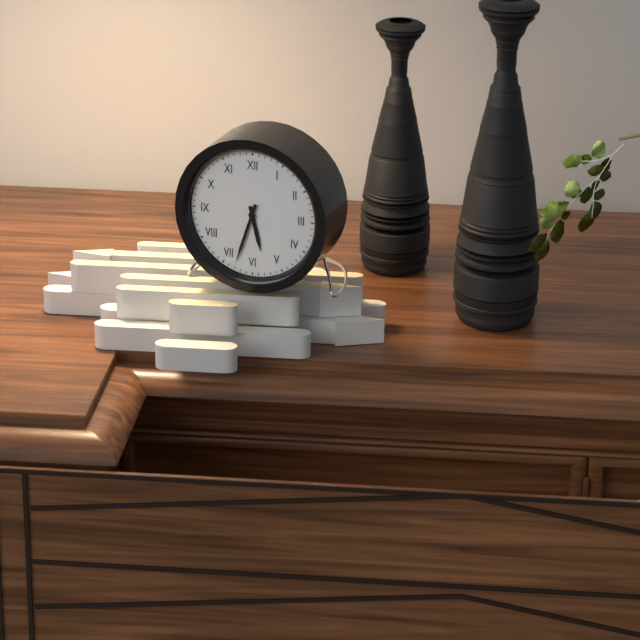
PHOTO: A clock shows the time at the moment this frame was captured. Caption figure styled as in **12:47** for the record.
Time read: **5:33**
